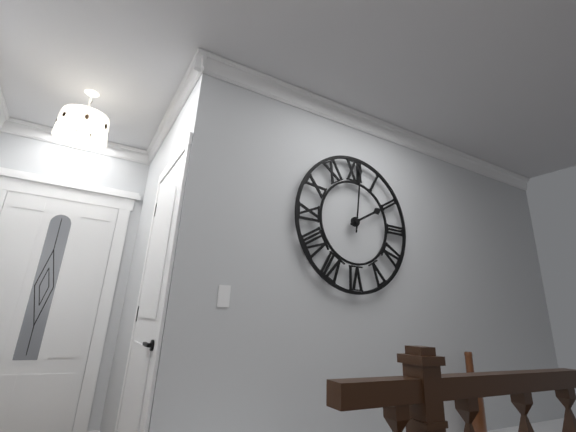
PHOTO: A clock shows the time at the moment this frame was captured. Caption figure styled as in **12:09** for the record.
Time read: **2:01**
